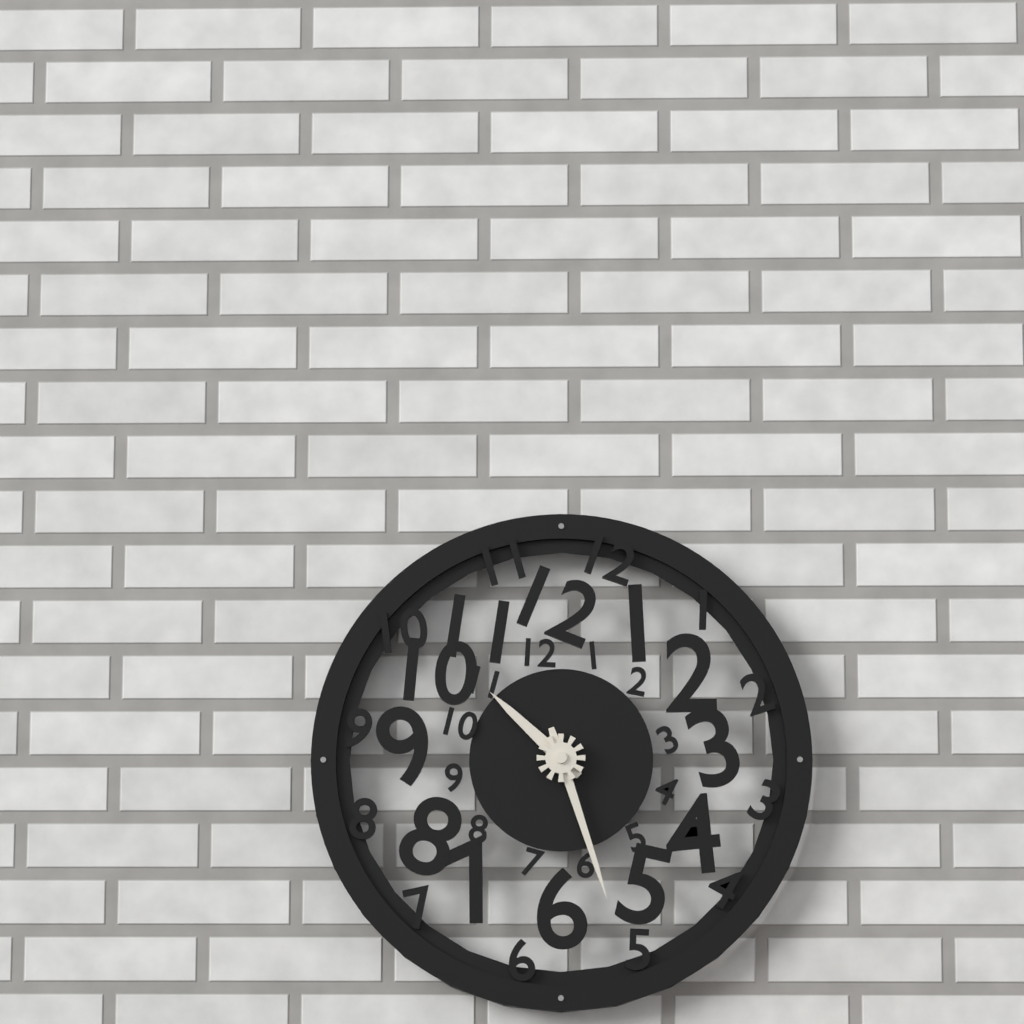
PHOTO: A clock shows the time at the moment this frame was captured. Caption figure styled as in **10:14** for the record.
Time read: **10:27**
